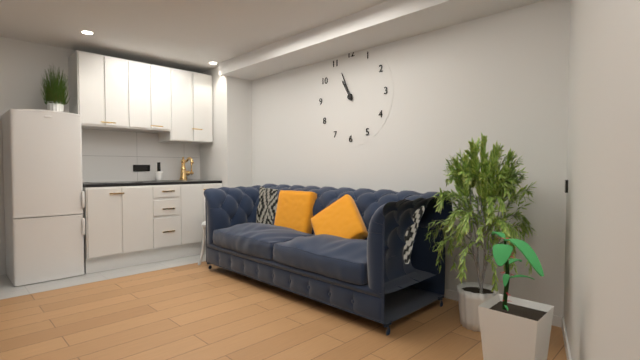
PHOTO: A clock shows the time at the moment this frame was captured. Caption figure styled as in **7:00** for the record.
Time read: **10:56**
